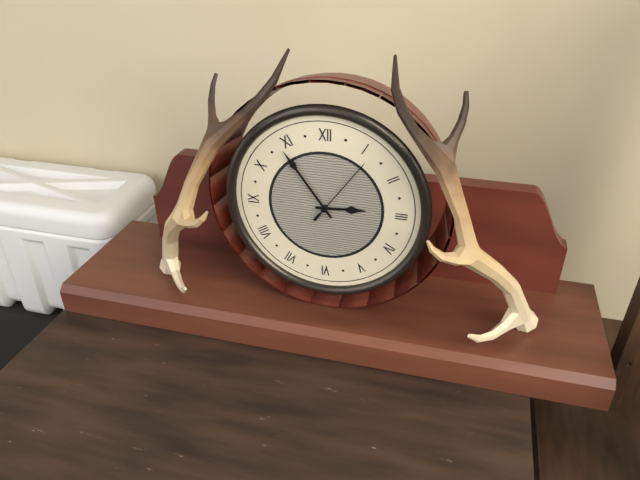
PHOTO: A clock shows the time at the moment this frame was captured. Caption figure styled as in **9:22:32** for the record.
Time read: **2:54:06**
